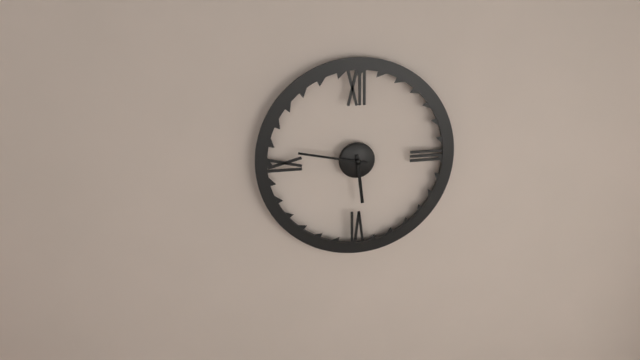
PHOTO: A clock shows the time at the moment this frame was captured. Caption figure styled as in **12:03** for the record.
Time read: **5:47**
